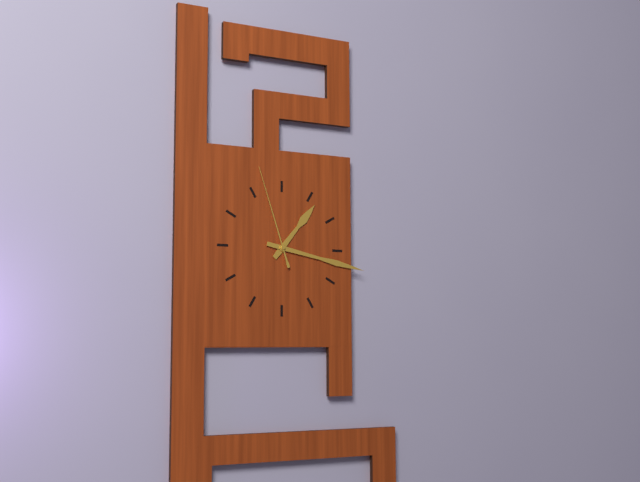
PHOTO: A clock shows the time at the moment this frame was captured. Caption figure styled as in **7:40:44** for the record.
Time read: **1:17:57**
